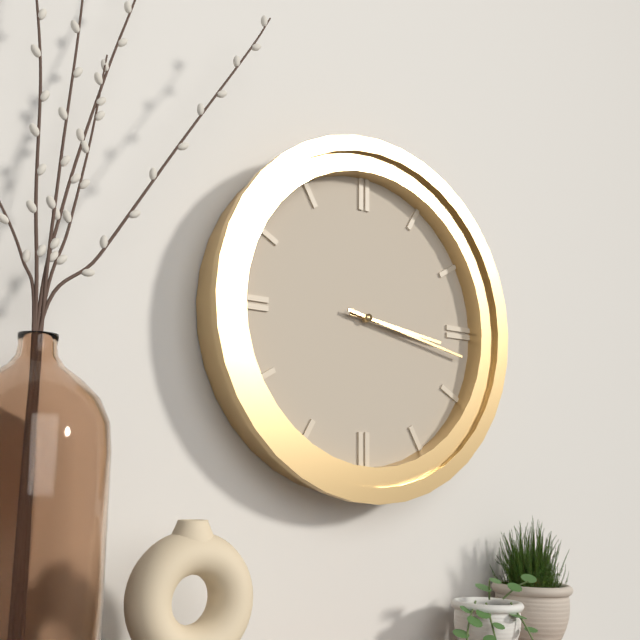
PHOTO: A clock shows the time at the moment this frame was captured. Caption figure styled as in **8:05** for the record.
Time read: **3:17**
